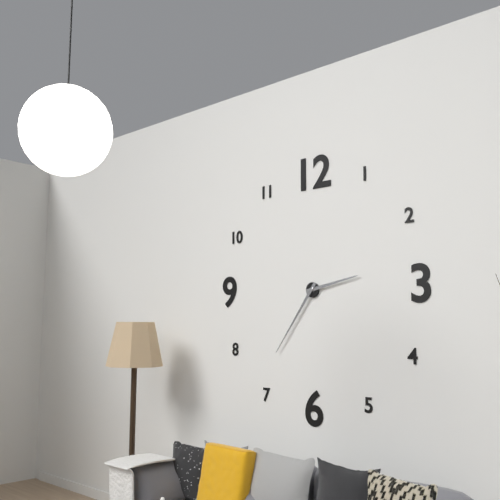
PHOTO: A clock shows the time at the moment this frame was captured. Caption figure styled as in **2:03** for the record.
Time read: **2:36**
